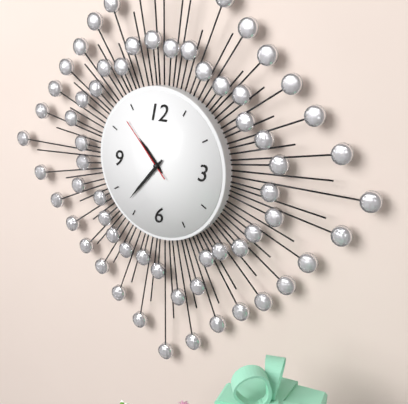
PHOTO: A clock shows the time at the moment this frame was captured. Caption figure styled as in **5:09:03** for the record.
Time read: **10:37:53**
